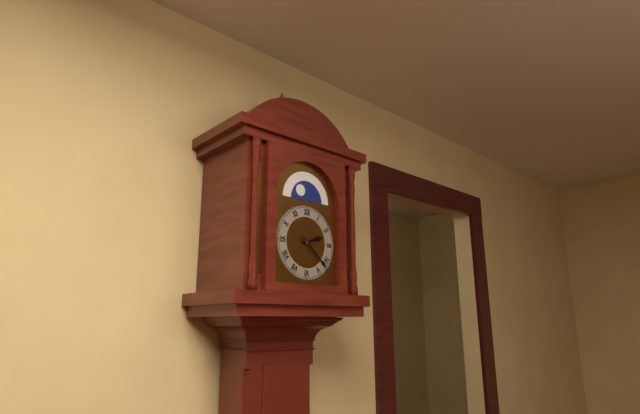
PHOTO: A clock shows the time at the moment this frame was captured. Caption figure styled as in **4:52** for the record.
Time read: **2:22**
